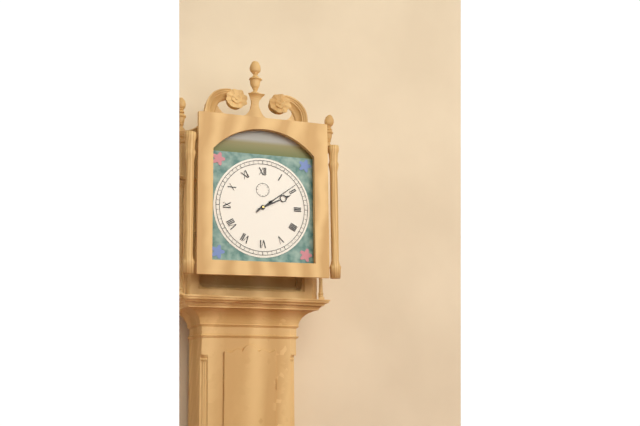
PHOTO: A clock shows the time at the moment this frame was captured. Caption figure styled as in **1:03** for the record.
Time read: **2:09**
